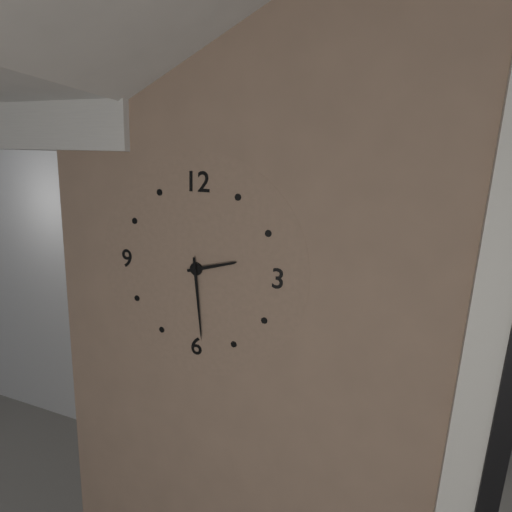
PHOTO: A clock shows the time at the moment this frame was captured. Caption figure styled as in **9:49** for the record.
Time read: **2:29**
